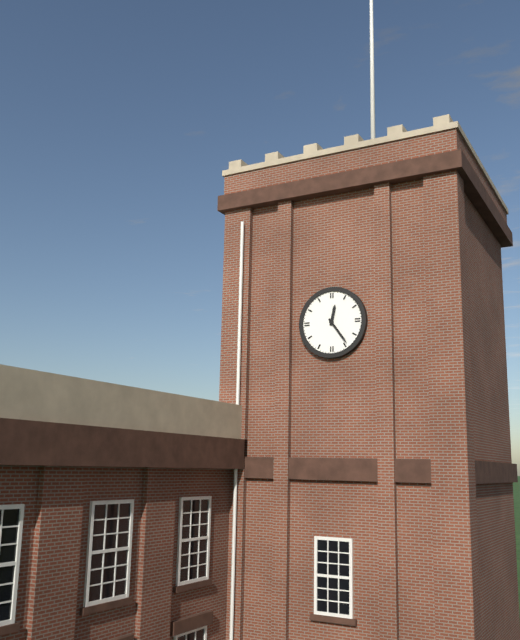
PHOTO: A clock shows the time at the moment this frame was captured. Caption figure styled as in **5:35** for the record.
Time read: **12:24**
